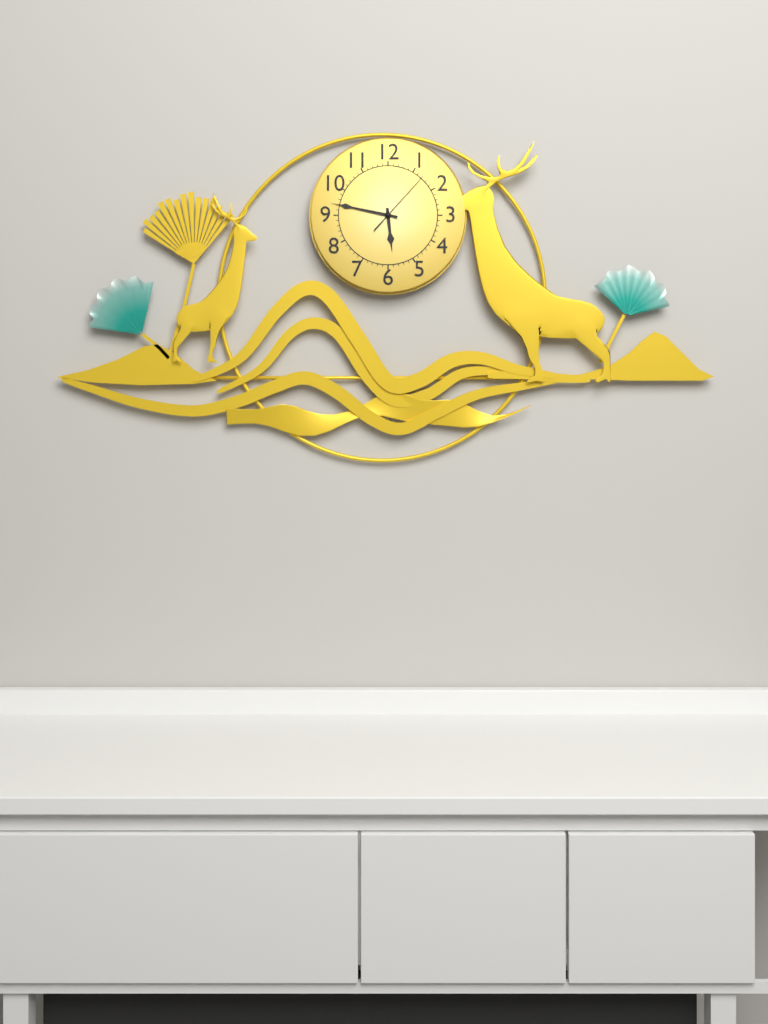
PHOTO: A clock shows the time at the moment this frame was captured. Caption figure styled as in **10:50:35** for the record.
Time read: **5:47:07**
